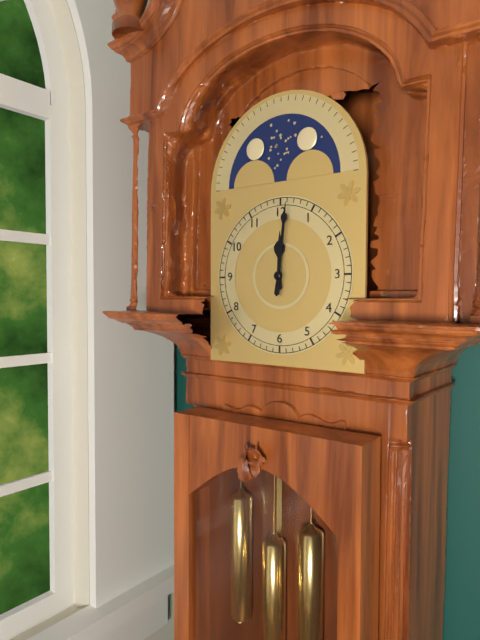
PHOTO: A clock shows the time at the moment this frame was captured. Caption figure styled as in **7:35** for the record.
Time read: **12:01**
